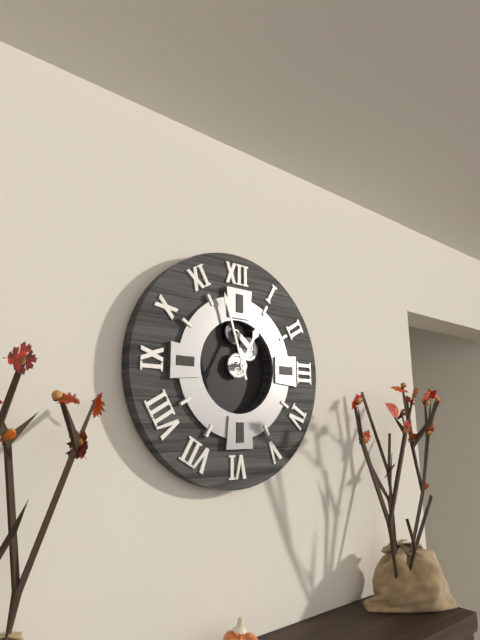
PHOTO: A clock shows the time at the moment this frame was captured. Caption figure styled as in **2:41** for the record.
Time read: **12:57**
